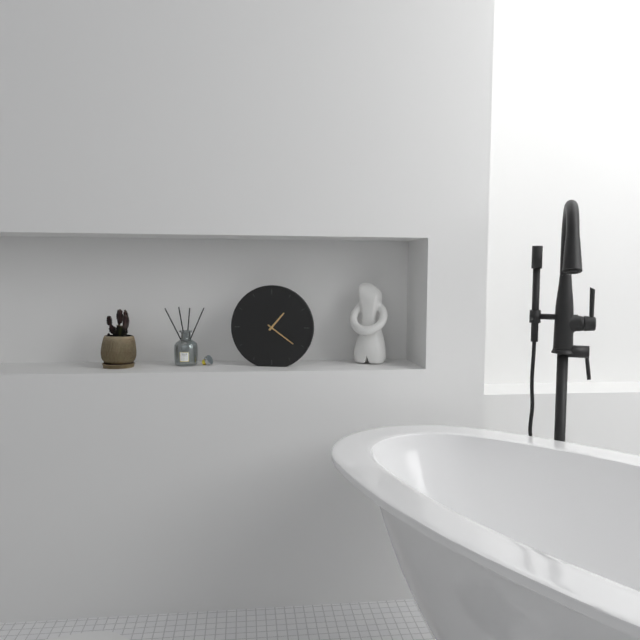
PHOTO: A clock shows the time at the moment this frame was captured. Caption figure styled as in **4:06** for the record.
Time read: **1:21**
